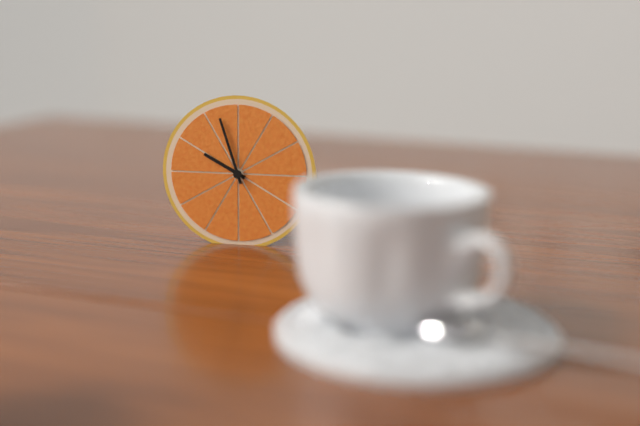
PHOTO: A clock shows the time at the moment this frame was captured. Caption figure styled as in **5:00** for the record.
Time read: **9:57**
